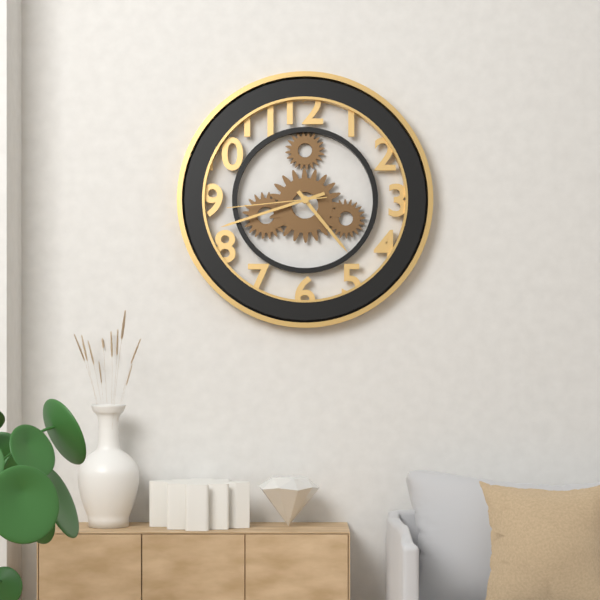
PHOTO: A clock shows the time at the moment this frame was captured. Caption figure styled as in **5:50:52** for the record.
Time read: **4:42:44**
